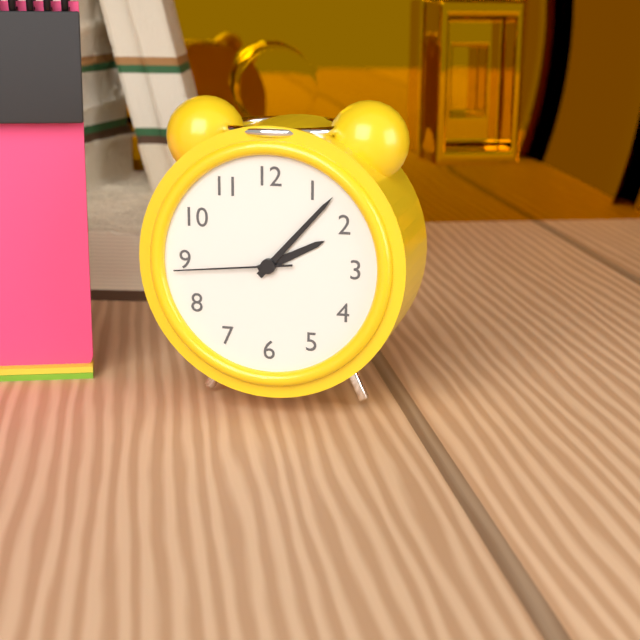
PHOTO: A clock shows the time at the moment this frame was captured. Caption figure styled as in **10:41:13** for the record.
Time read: **2:07:44**
